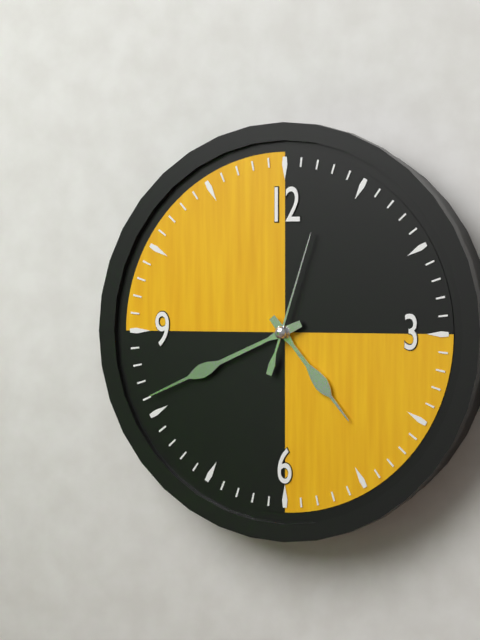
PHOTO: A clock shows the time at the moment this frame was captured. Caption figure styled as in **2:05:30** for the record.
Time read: **4:41:03**
